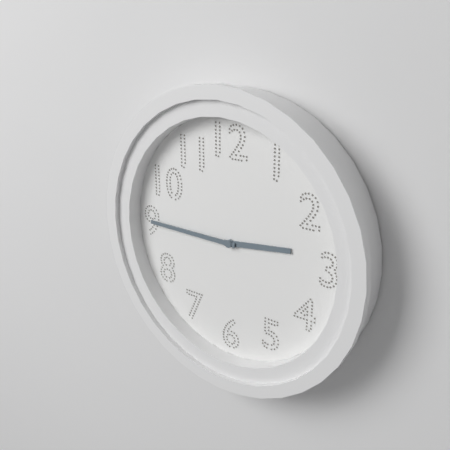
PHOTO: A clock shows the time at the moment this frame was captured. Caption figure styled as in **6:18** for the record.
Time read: **2:45**
